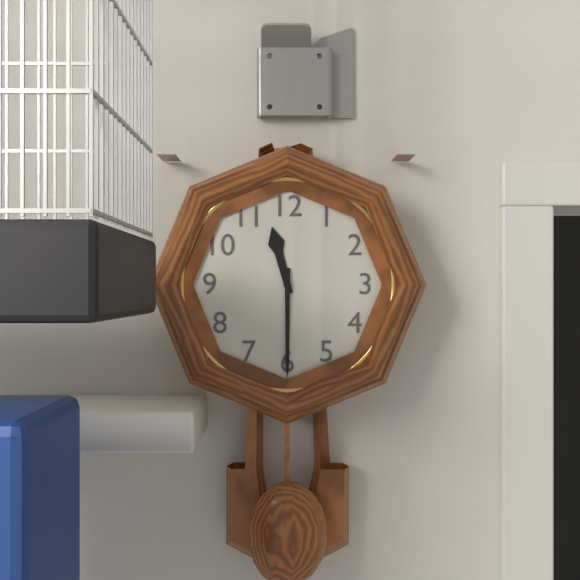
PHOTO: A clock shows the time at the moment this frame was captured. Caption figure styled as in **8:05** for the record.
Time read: **11:30**
